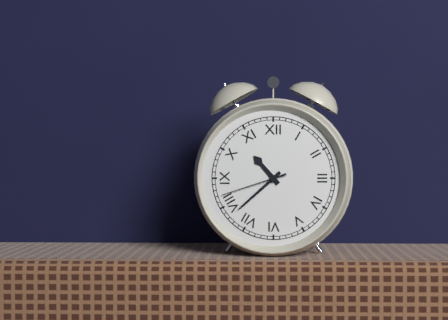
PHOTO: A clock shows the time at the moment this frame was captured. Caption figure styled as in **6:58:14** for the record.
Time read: **10:38:42**
